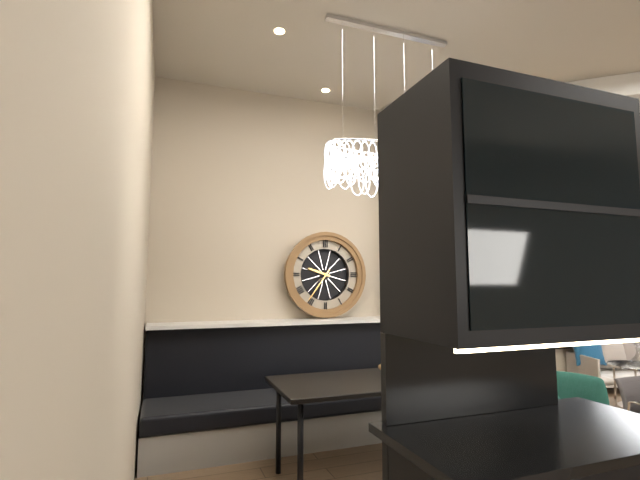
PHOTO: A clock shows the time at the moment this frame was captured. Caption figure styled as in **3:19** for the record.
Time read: **9:36**
